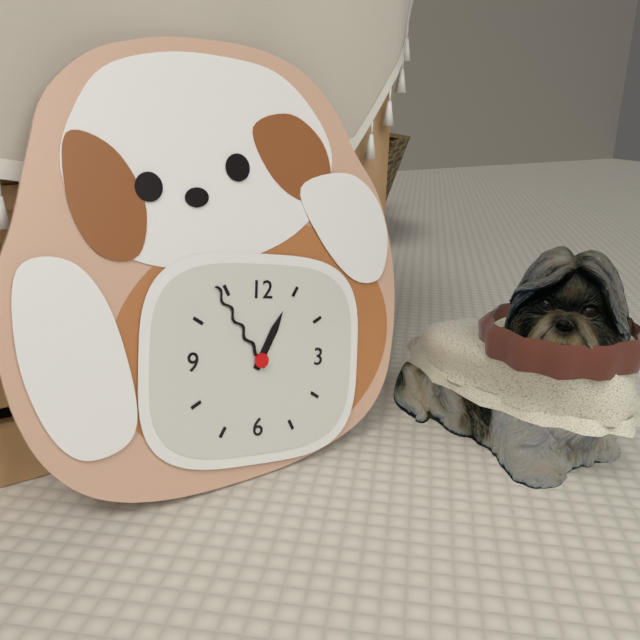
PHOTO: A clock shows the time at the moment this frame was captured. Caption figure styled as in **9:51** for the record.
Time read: **12:54**
